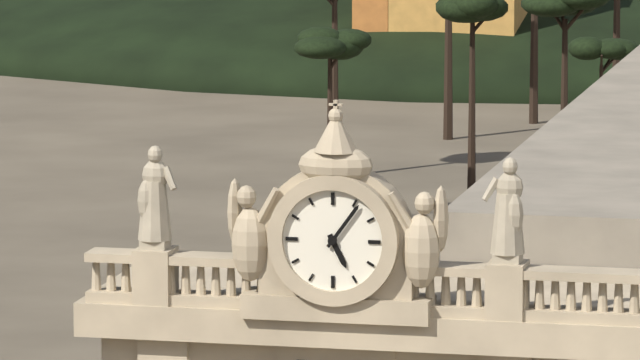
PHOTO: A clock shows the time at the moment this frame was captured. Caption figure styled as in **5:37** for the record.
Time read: **5:06**
